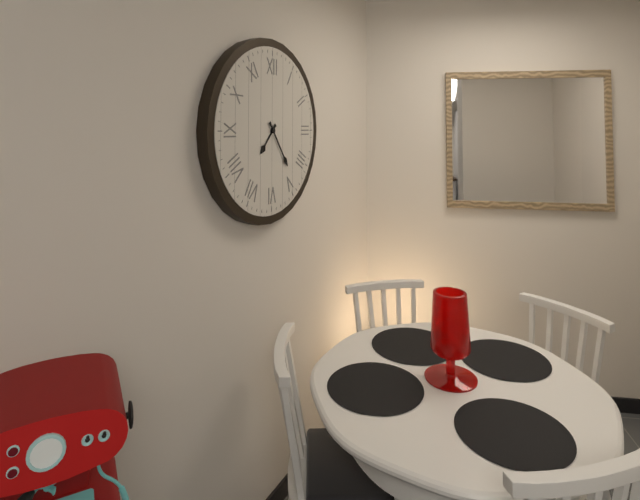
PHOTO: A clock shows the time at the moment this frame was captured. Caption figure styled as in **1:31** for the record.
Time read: **7:24**
